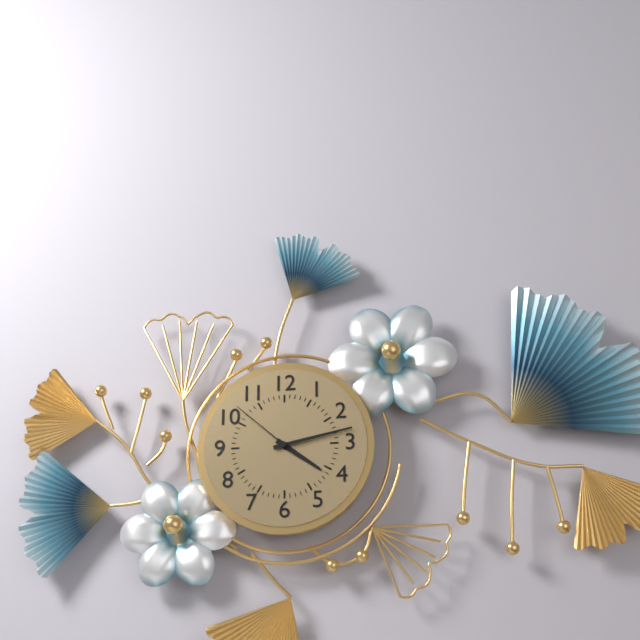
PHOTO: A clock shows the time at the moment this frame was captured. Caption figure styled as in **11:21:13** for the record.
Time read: **4:13:52**
